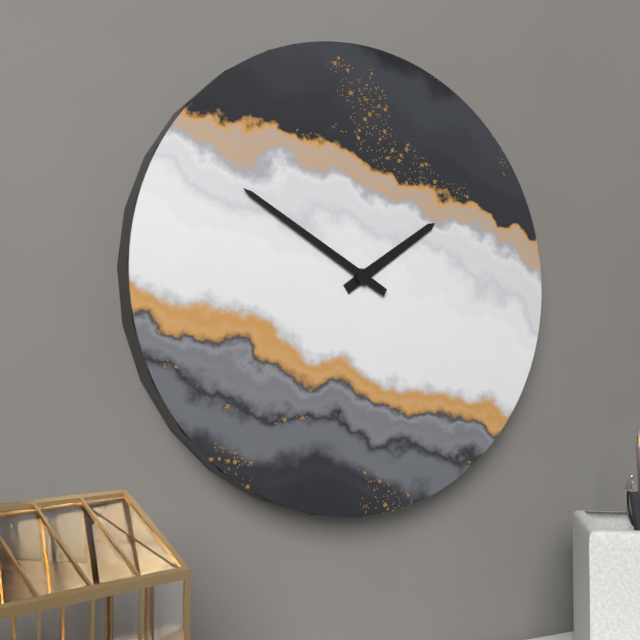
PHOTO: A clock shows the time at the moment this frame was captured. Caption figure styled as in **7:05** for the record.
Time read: **1:50**
